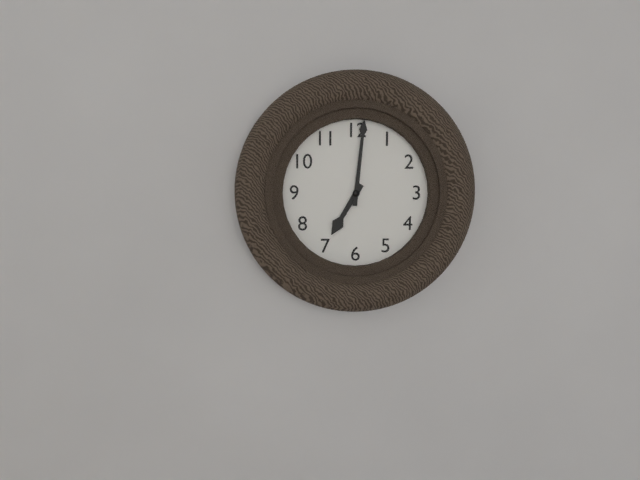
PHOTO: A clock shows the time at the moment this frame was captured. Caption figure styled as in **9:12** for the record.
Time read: **7:01**
